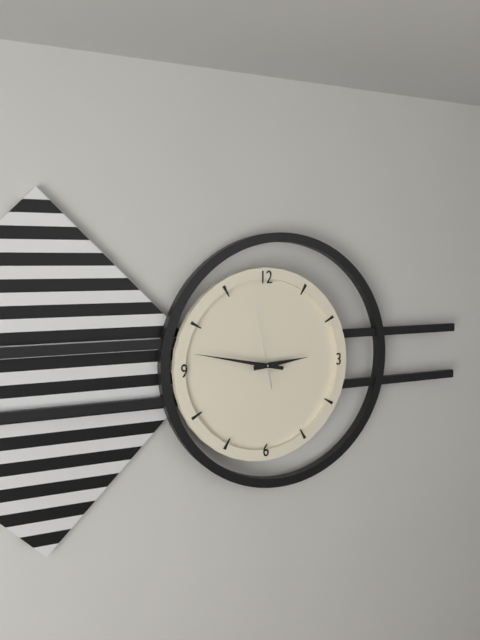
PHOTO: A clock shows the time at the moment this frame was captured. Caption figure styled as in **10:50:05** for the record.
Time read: **2:47:58**
